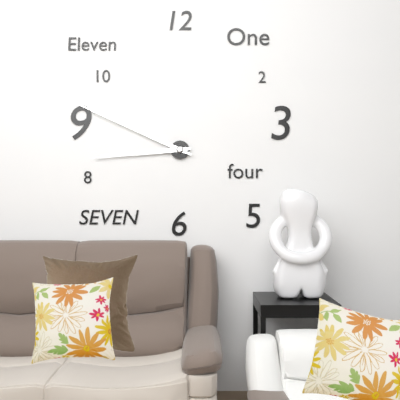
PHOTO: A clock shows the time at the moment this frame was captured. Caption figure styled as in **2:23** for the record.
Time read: **8:49**
